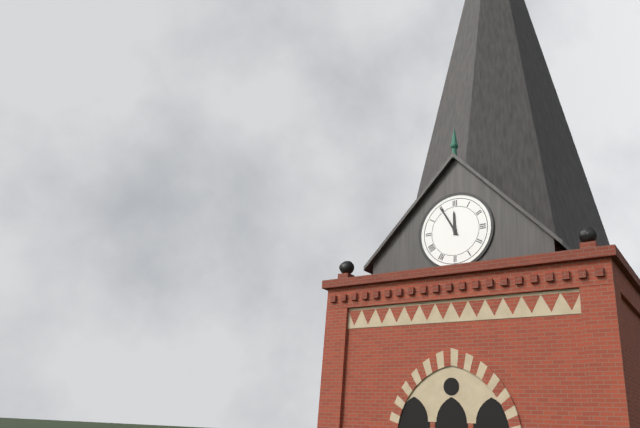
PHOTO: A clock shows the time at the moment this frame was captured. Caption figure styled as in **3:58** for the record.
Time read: **11:55**
